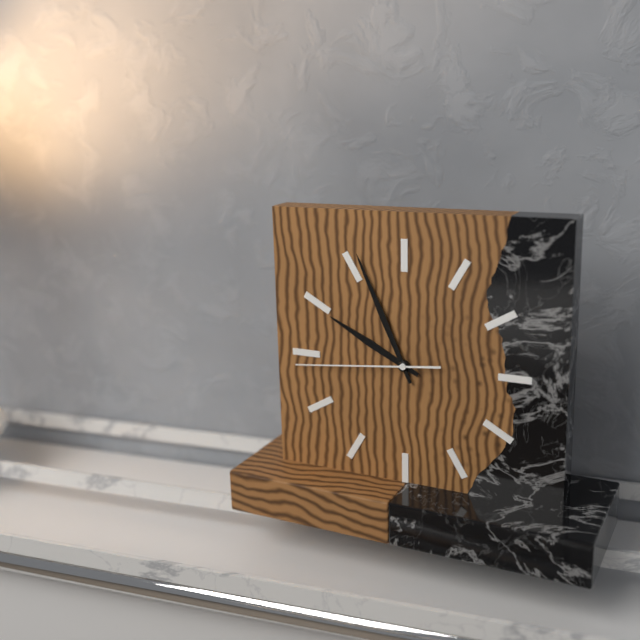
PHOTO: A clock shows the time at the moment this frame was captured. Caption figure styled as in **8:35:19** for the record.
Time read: **9:56:44**
